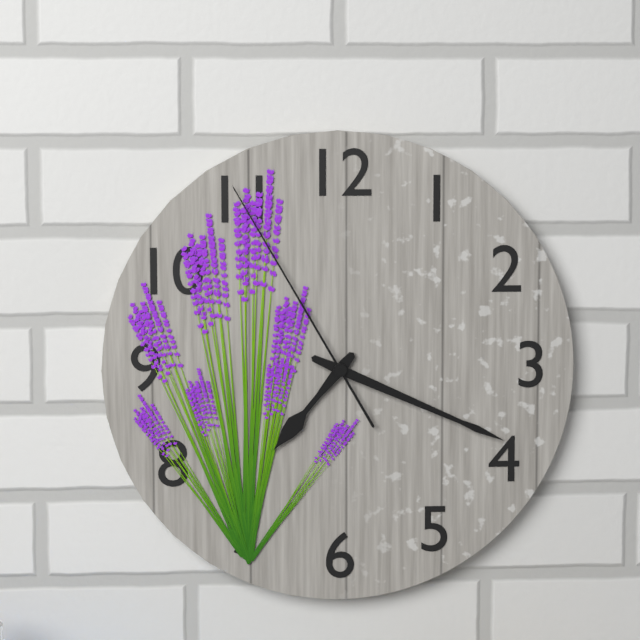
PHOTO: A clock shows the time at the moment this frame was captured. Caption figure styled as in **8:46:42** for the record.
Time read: **7:19:55**
